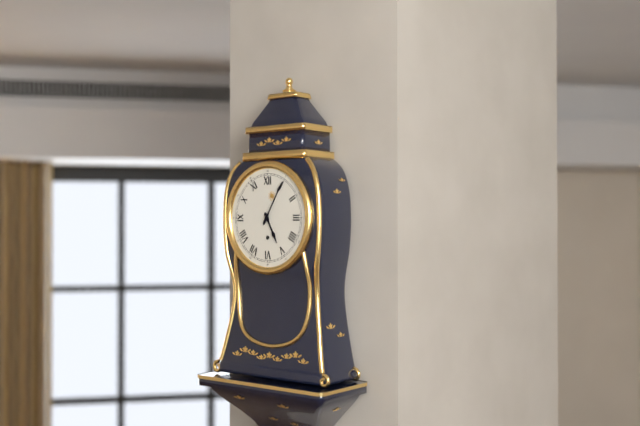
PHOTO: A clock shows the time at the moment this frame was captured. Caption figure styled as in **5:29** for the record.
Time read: **5:05**
